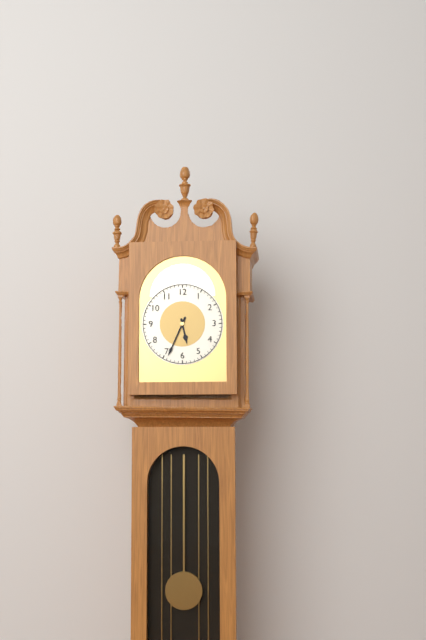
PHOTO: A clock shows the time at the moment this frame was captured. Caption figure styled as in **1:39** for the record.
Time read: **5:34**
